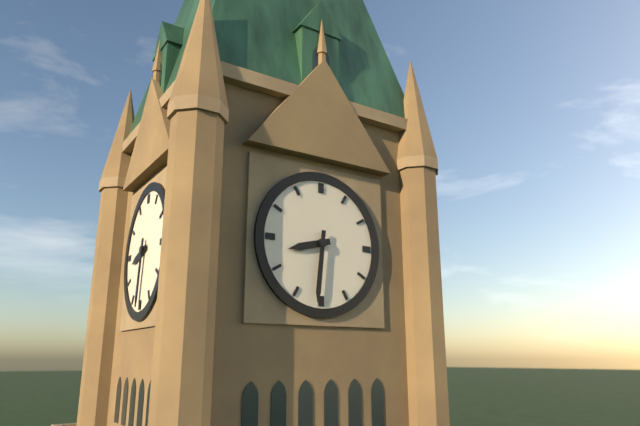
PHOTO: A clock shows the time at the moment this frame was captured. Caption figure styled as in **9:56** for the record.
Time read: **8:31**
